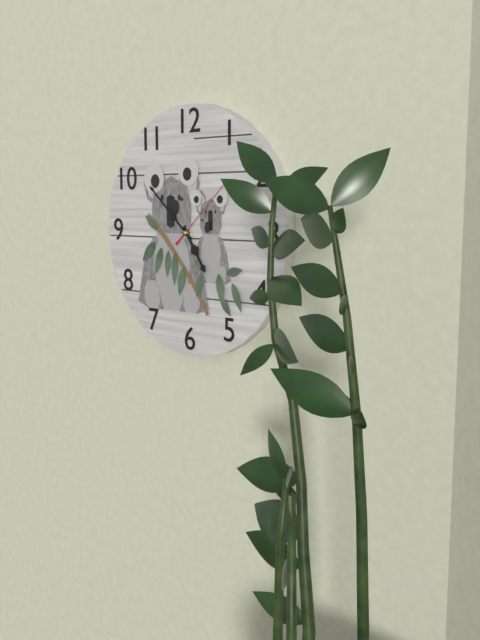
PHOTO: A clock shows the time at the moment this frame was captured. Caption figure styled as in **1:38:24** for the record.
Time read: **4:52:08**
